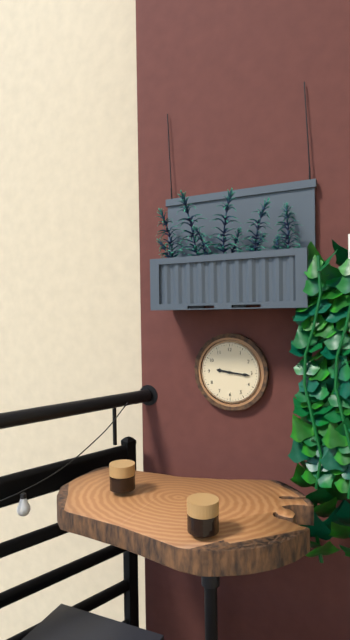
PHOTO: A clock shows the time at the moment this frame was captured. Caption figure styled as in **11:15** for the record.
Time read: **9:16**
